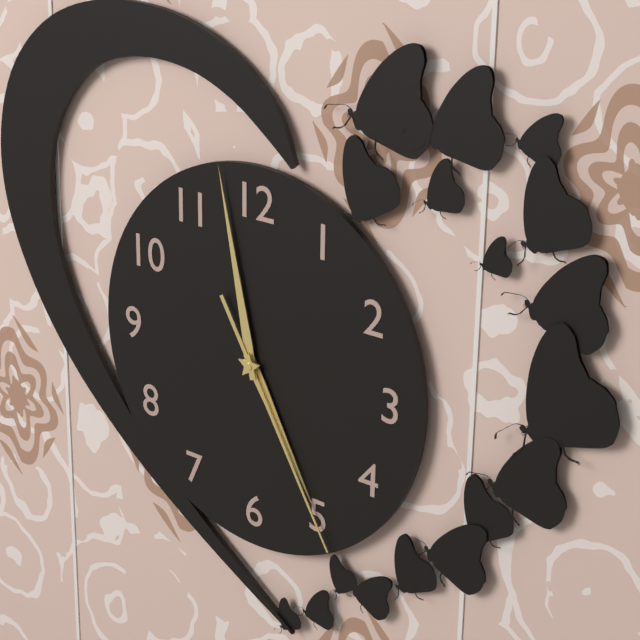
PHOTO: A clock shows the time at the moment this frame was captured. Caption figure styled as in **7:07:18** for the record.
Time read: **4:58:25**
